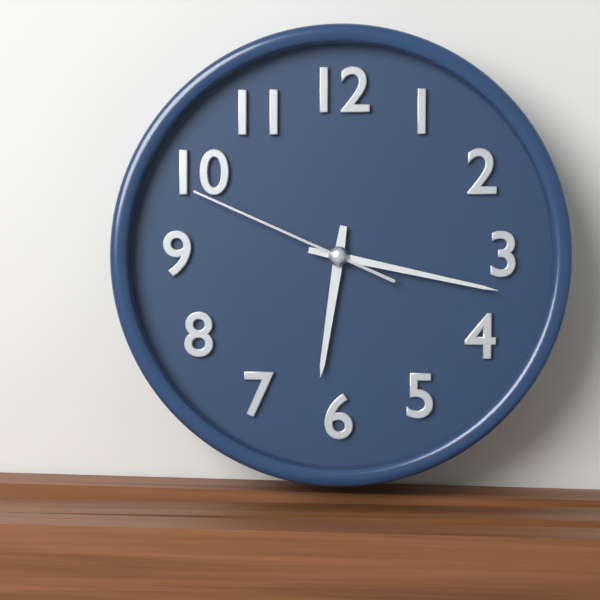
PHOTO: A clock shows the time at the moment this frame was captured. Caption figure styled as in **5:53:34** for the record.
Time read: **6:17:49**
